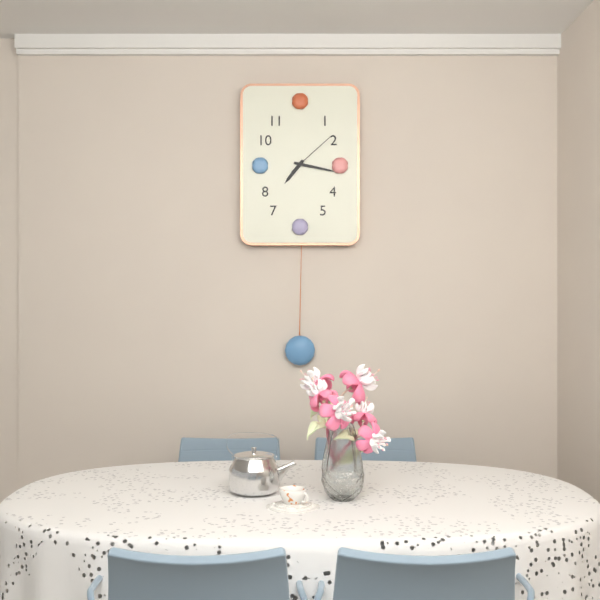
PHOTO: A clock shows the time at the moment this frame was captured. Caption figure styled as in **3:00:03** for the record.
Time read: **7:17:08**
